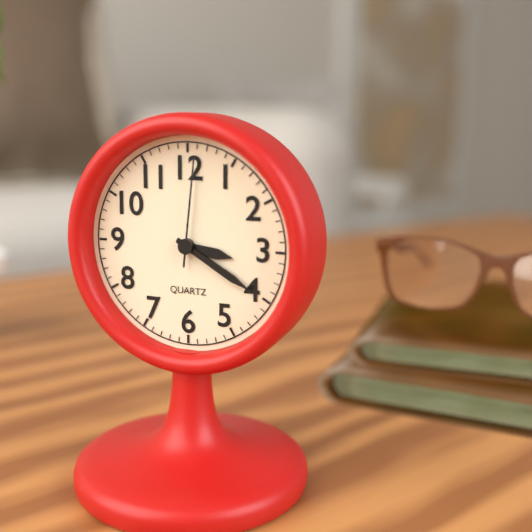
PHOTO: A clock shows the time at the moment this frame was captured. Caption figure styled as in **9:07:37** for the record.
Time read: **3:20:01**
